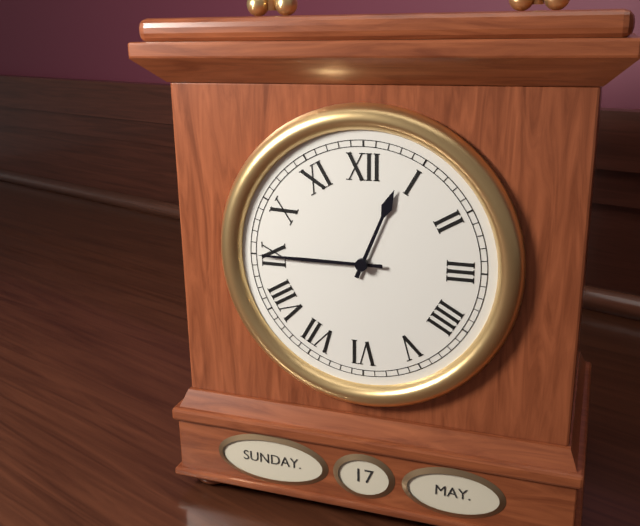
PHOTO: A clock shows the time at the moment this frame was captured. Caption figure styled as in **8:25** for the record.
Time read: **12:45**
